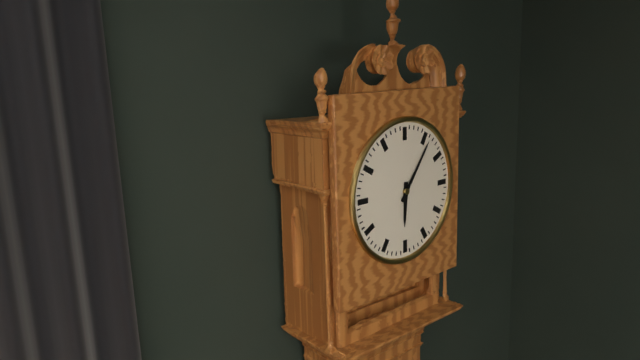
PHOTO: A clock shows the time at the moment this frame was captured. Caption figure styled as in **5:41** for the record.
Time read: **6:06**
